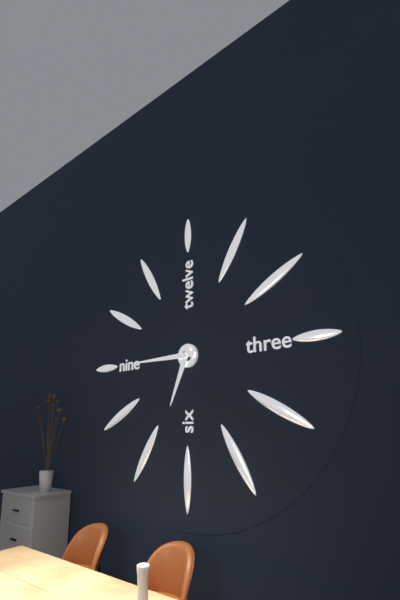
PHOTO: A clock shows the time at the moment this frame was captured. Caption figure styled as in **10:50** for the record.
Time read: **6:45**
